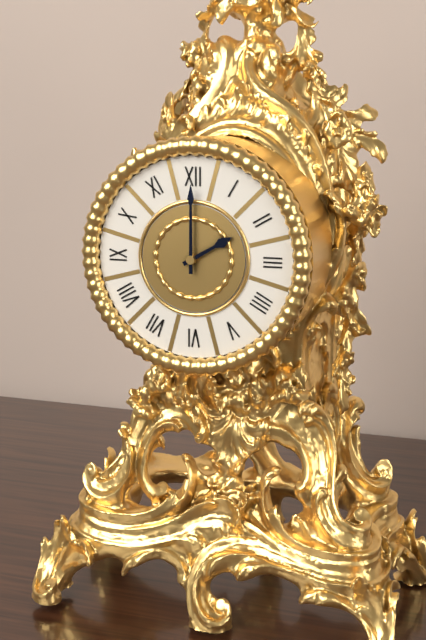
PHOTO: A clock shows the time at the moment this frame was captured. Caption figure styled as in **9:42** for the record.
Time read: **2:00**
